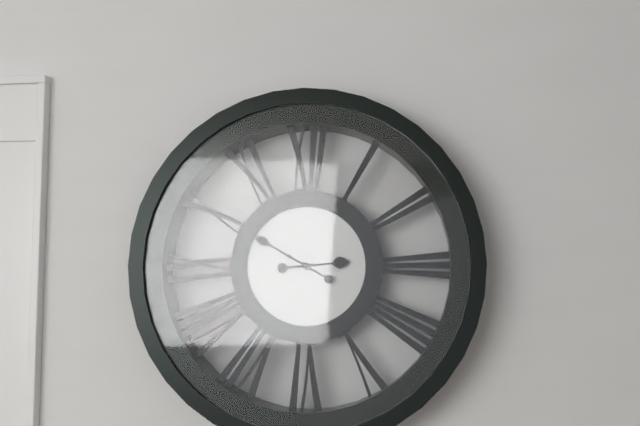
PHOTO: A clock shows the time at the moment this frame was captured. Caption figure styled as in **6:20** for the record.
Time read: **2:50**
